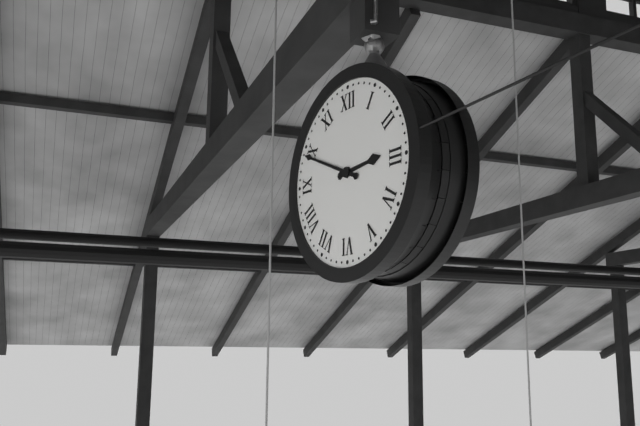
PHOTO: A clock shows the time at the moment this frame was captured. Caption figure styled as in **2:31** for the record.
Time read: **2:49**
